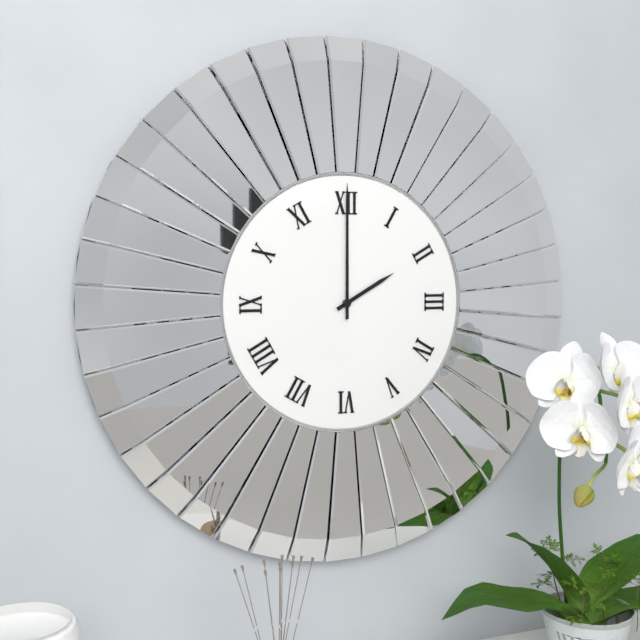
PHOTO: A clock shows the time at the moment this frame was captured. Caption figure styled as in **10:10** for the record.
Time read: **2:00**
